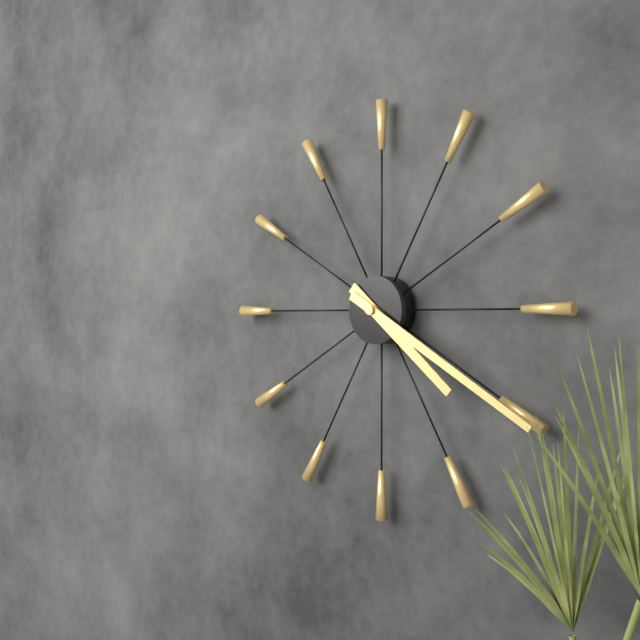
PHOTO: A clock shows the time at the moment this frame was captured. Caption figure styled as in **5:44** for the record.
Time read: **4:20**
